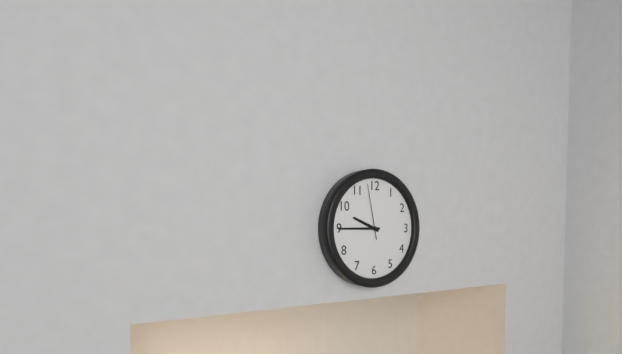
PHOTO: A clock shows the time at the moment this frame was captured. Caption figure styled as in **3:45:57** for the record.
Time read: **9:45:58**
